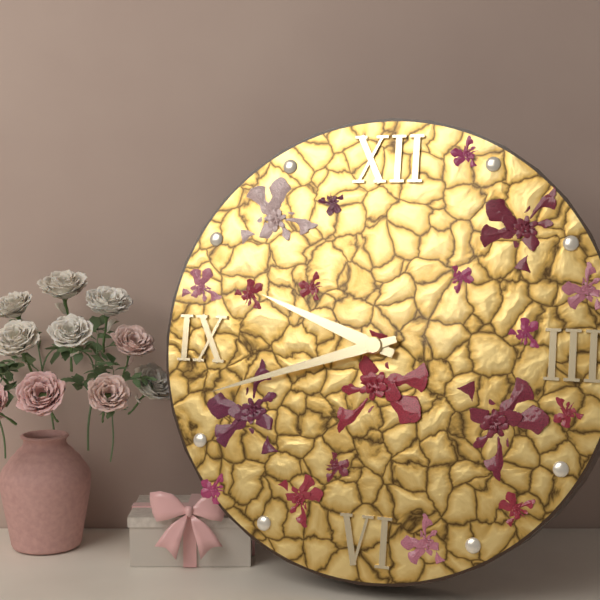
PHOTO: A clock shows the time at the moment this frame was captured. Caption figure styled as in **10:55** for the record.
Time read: **9:42**
